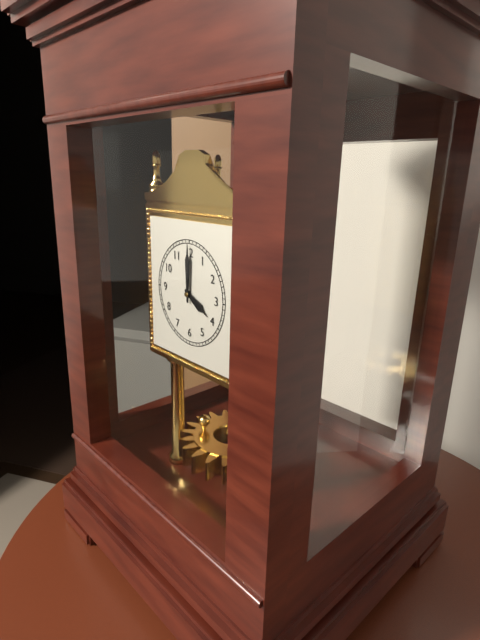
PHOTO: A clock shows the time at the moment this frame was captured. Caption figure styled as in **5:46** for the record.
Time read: **4:00**
